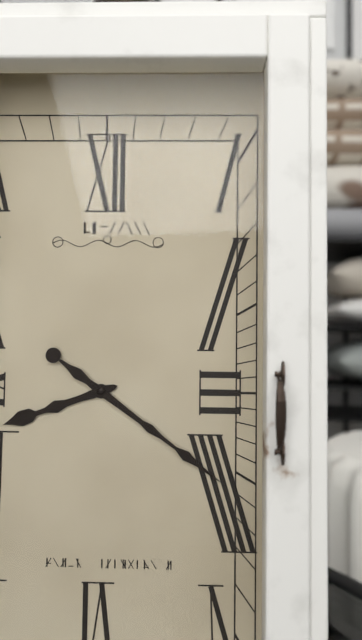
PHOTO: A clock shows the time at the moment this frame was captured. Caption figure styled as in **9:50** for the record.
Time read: **8:21**
